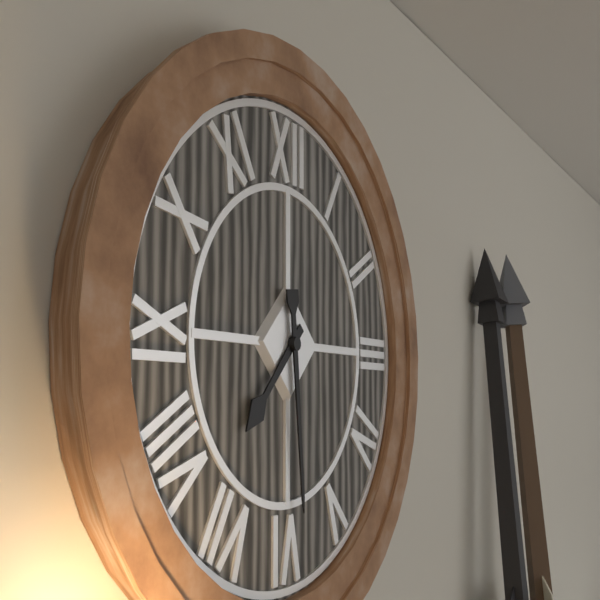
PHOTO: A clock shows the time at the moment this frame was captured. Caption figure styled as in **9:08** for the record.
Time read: **7:29**
